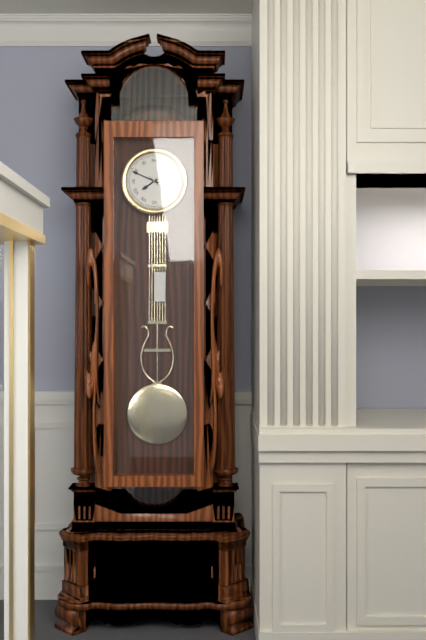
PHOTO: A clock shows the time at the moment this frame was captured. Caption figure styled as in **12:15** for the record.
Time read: **7:49**
